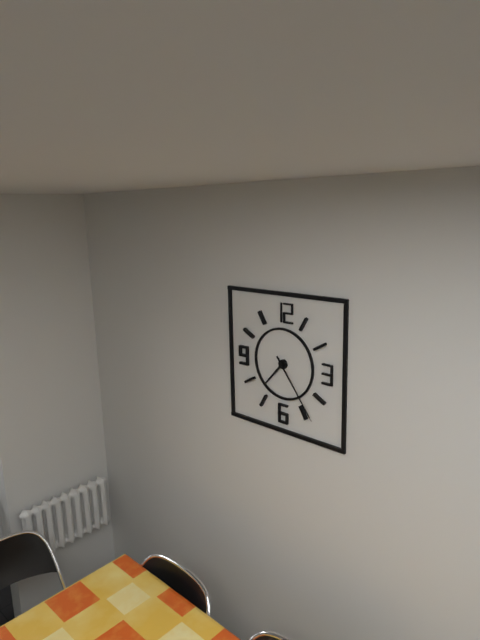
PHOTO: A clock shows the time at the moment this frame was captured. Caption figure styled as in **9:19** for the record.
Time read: **7:24**
